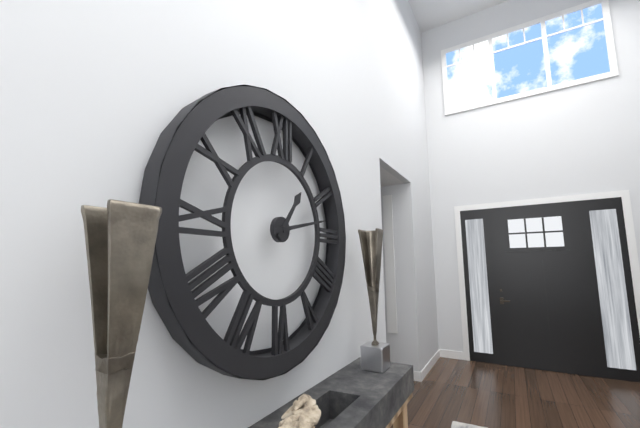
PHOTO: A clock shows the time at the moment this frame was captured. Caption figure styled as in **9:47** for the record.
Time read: **1:13**
